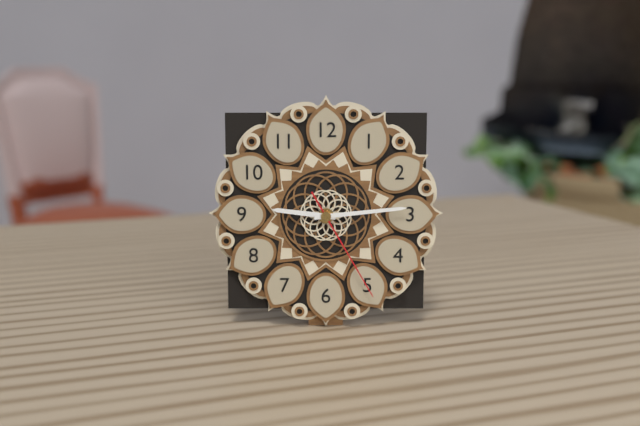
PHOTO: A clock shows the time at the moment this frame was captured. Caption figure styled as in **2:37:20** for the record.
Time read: **9:14:25**
